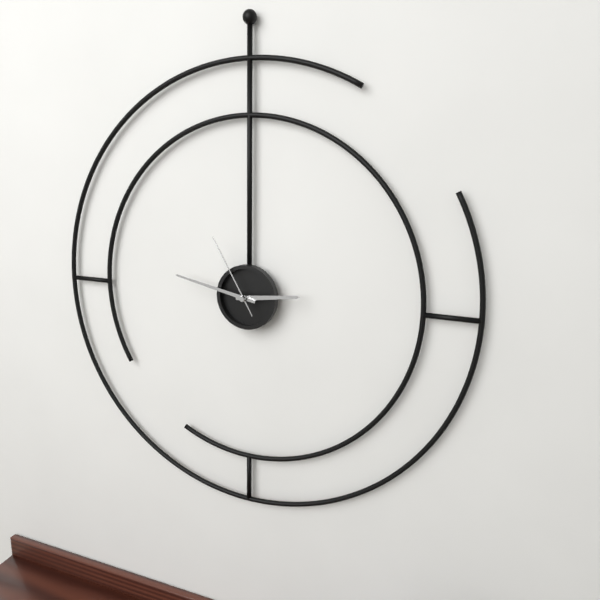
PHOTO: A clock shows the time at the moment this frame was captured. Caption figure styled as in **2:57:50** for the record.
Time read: **2:47:55**
